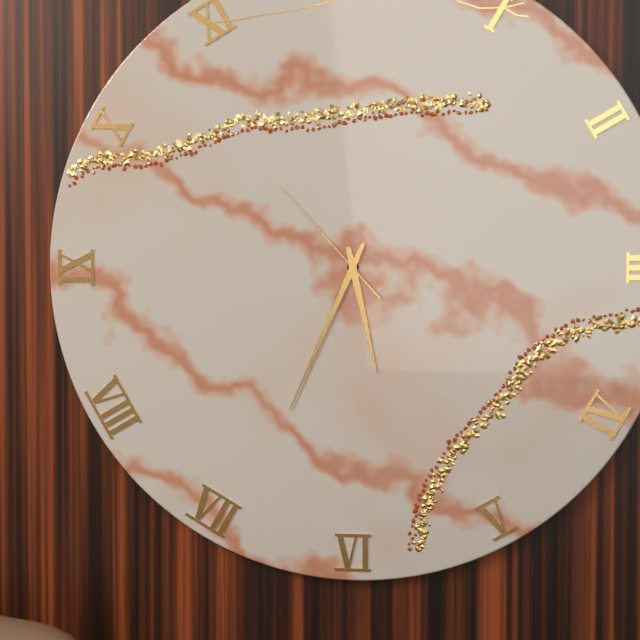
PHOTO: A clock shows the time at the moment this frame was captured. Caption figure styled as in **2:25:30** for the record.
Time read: **5:34:53**
